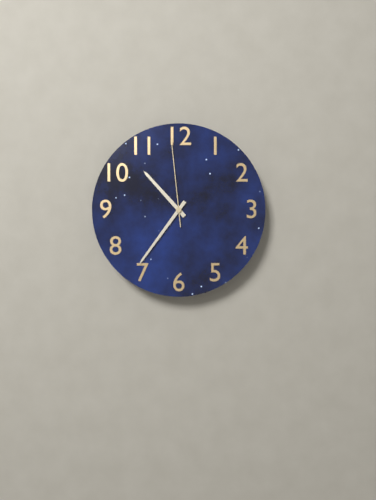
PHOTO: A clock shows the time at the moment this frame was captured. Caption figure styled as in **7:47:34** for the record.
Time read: **10:36:59**
